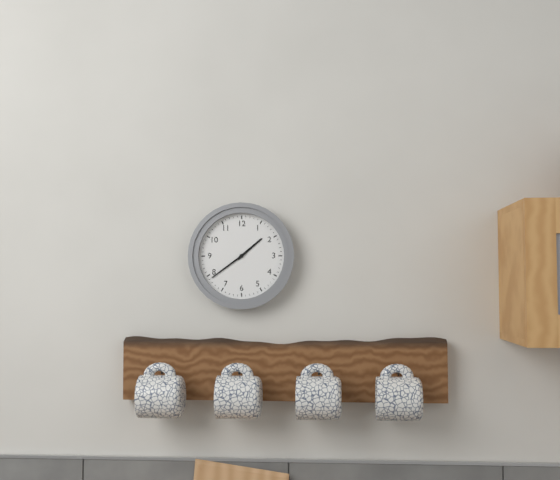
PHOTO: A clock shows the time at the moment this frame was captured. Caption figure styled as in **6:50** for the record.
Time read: **1:39**
